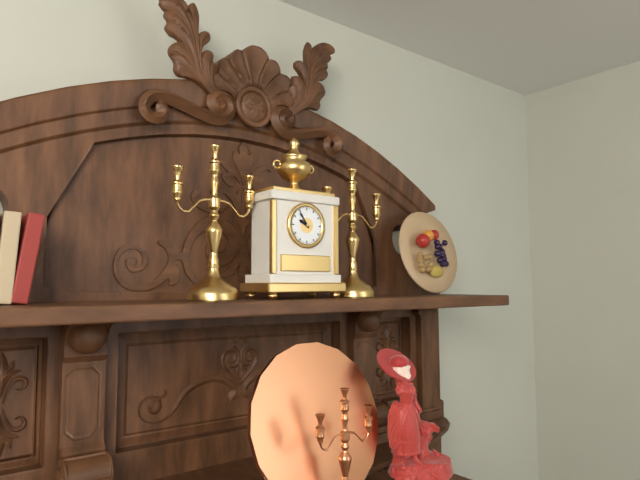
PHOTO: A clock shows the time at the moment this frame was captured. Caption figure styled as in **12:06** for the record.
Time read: **9:54**
